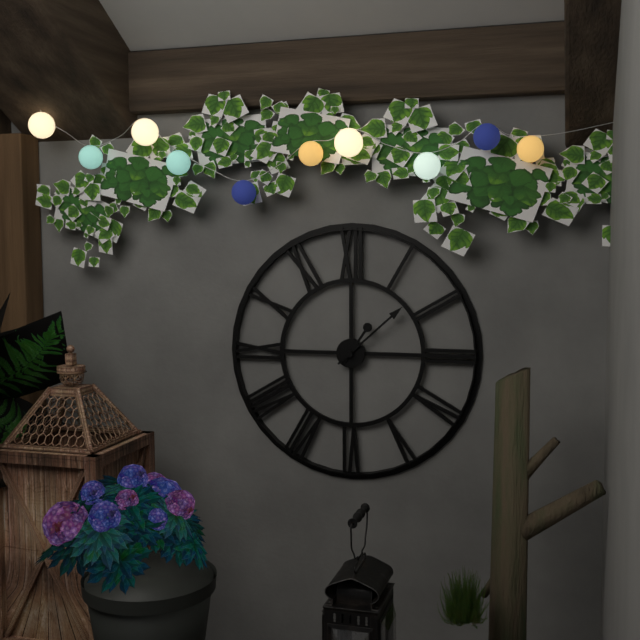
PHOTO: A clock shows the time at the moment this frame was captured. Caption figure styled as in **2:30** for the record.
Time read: **1:08**
